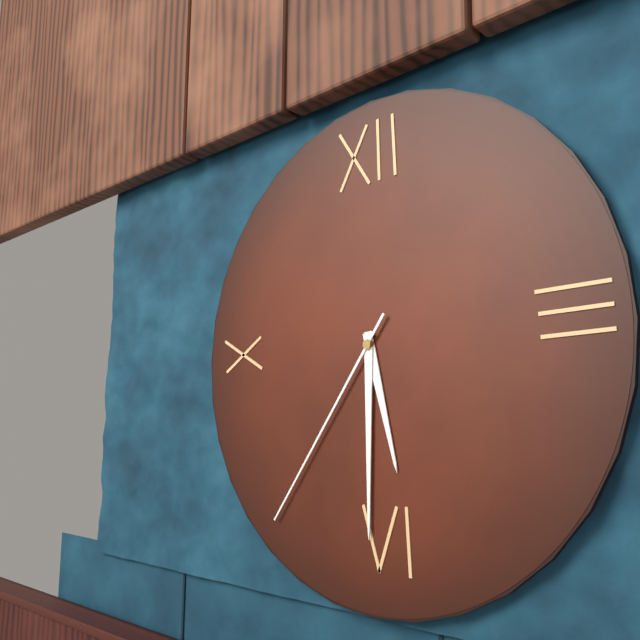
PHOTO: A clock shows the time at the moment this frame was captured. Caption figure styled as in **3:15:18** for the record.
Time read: **5:30:36**
